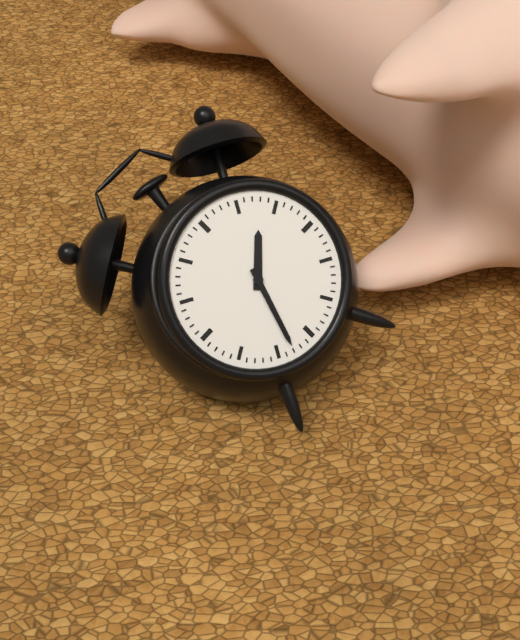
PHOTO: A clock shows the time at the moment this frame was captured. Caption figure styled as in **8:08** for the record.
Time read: **1:33**
